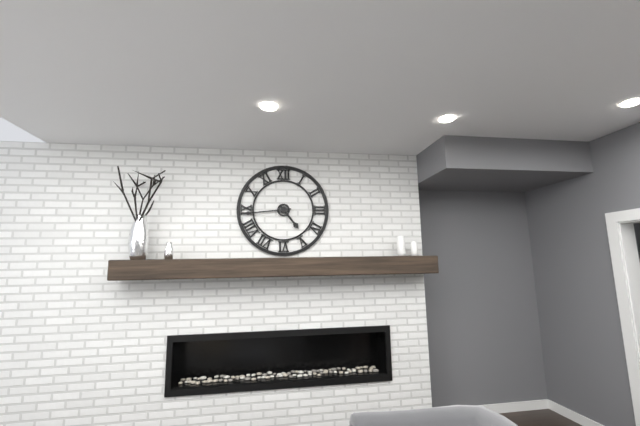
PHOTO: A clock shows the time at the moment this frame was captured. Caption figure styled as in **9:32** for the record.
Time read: **4:44**
